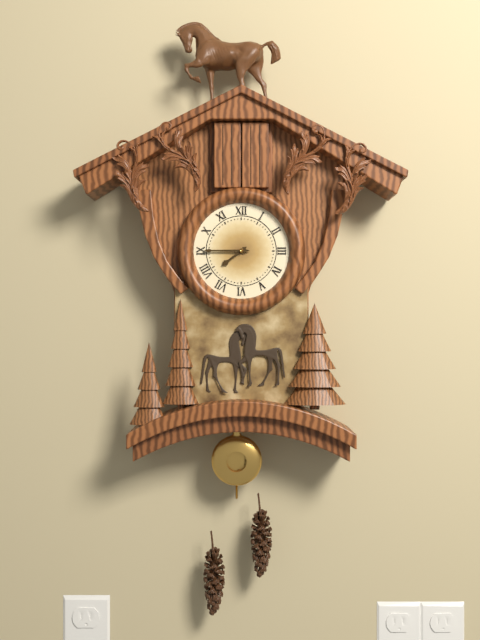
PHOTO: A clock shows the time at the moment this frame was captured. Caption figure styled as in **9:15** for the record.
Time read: **7:45**
